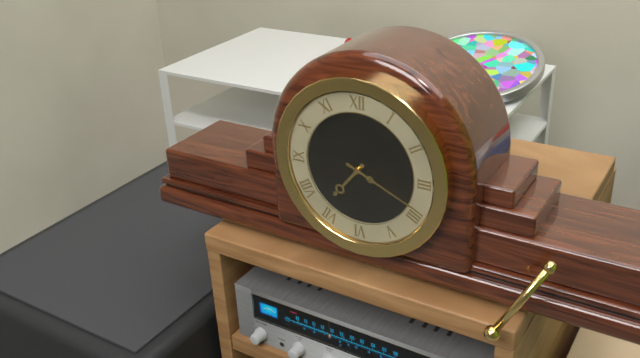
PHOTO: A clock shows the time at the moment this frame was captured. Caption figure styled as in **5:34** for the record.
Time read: **7:19**
